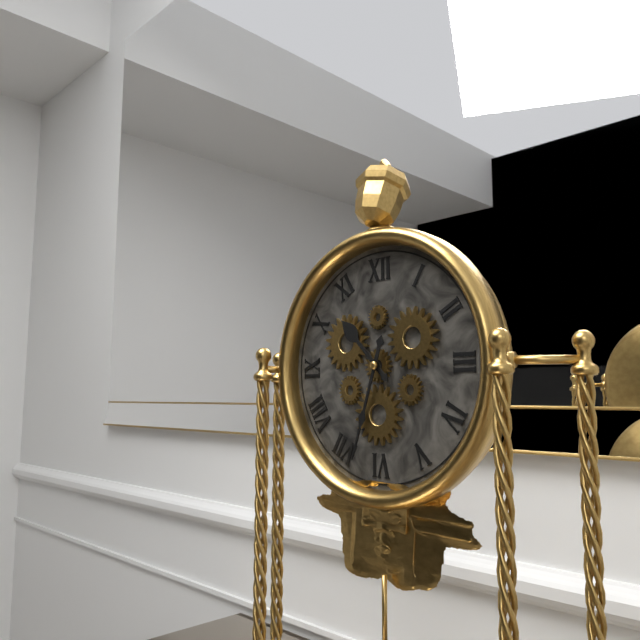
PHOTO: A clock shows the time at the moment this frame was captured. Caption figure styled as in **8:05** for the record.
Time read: **10:33**
